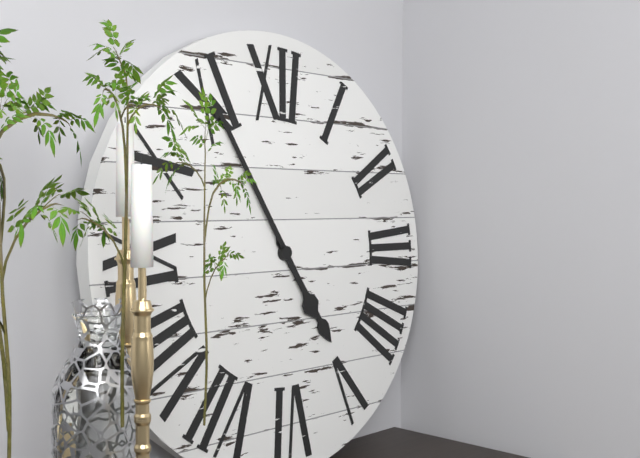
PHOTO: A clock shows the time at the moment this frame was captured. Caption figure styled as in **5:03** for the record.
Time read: **4:55**
